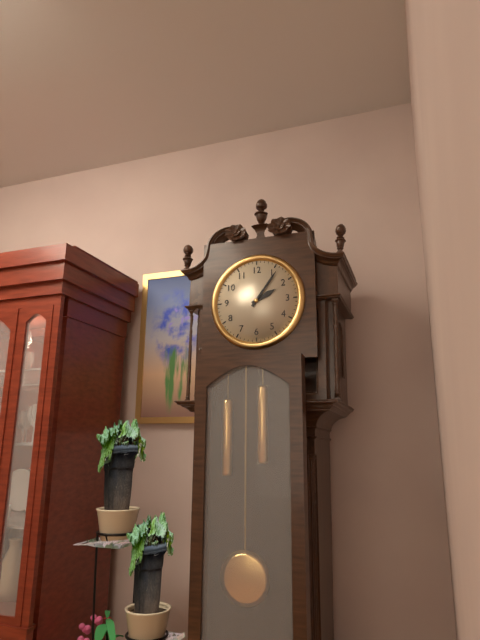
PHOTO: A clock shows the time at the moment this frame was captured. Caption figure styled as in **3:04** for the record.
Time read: **2:06**
